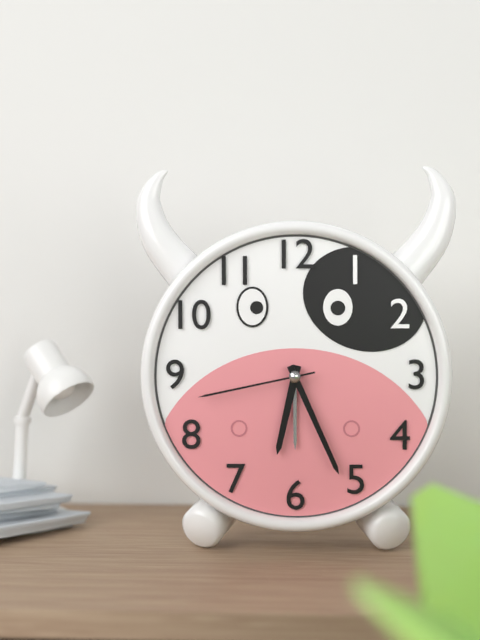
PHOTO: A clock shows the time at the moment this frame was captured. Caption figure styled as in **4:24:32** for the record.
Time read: **6:26:43**
